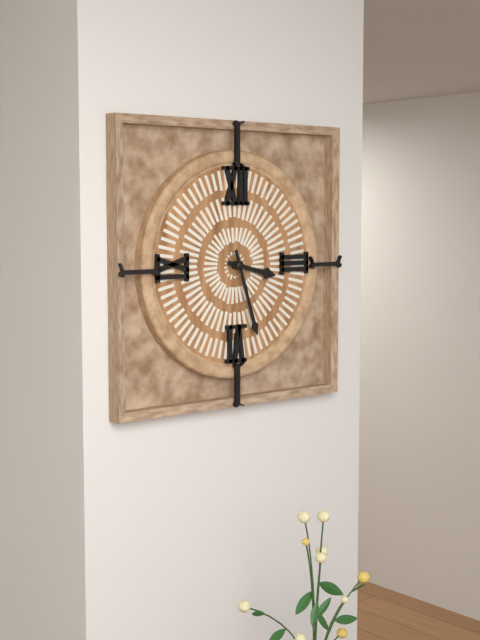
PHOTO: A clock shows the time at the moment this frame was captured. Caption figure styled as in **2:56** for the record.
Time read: **3:27**
